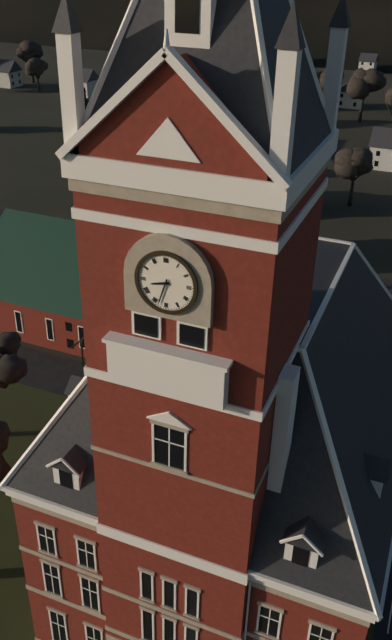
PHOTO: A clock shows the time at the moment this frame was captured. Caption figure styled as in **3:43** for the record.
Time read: **8:33**
